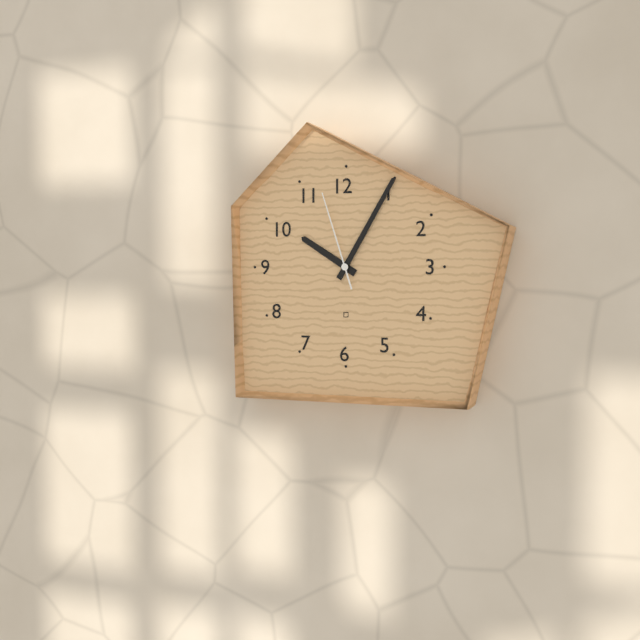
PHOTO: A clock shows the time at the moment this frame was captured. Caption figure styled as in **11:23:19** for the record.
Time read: **10:05:57**
